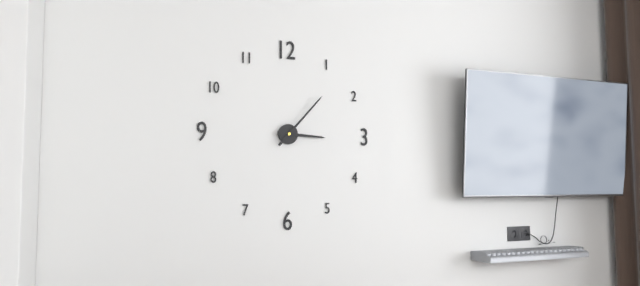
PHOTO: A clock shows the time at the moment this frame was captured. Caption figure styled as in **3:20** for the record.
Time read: **3:07**
